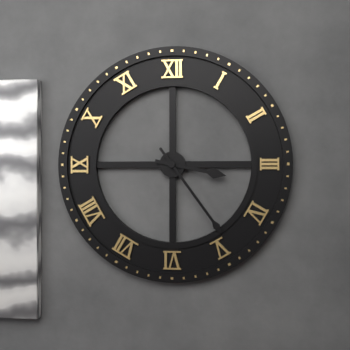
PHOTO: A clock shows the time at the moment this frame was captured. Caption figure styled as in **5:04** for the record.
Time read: **3:24**
